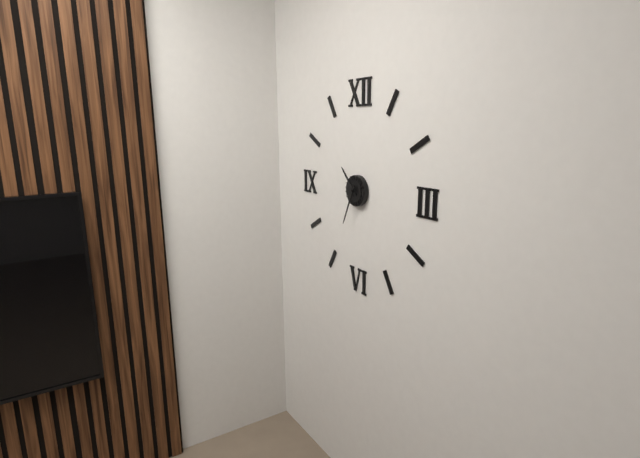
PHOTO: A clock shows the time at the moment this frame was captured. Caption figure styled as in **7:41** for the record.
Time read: **10:34**
